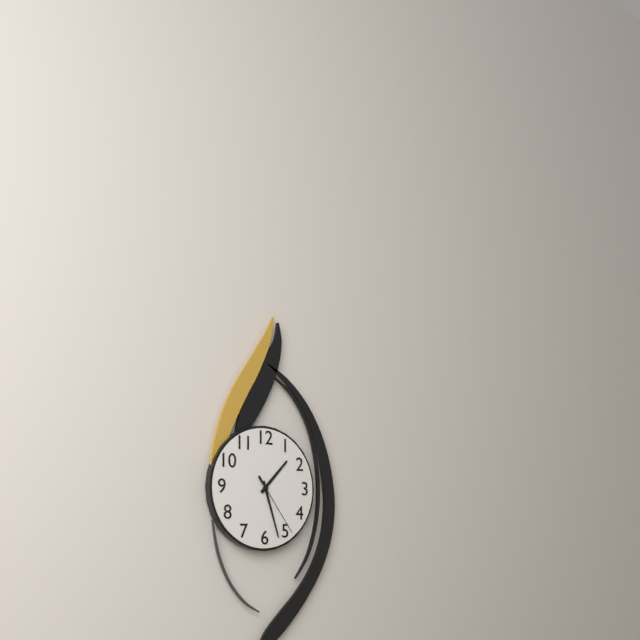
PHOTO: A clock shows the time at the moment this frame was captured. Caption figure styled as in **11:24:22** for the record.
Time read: **1:27:24**
